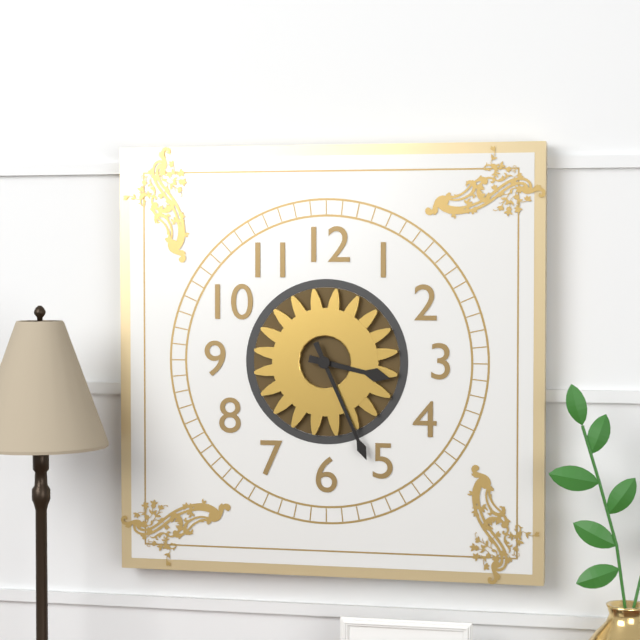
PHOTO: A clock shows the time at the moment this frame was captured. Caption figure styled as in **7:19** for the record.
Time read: **3:26**
